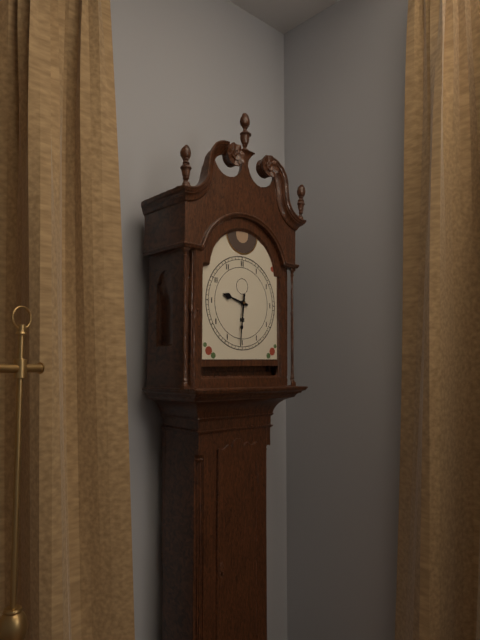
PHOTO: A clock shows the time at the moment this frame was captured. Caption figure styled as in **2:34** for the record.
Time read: **9:31**
